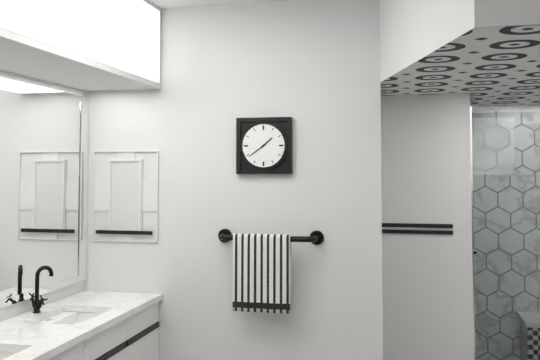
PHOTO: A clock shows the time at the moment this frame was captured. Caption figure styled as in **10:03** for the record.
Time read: **1:39**
